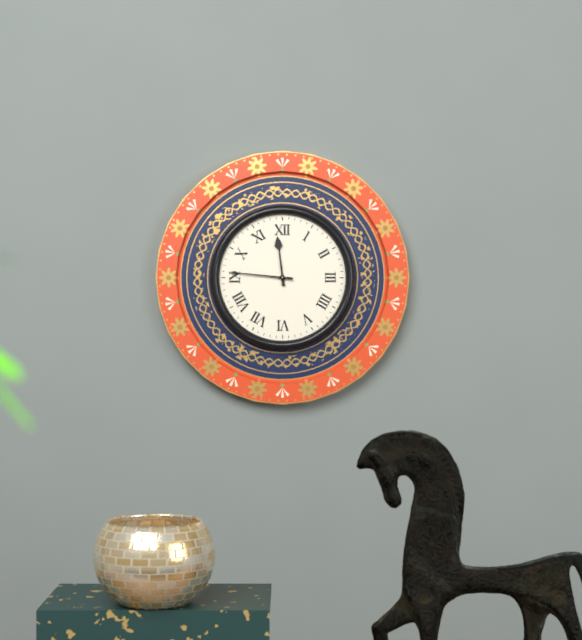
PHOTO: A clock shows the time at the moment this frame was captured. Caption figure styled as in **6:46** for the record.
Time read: **11:46**
